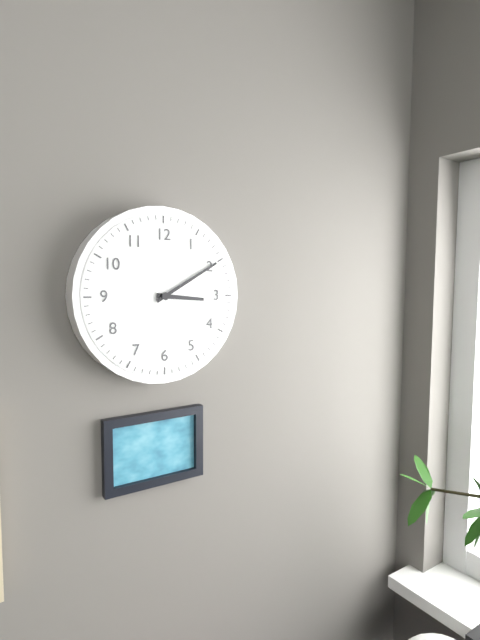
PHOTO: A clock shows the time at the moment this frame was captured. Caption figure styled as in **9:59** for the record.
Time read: **3:10**
